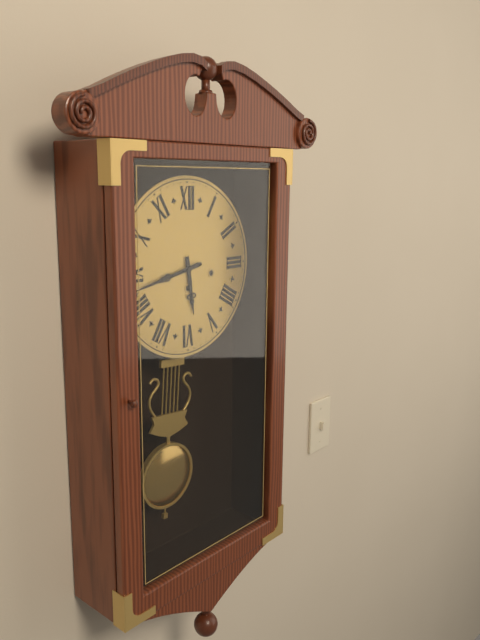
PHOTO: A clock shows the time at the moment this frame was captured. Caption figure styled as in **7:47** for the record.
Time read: **5:43**
